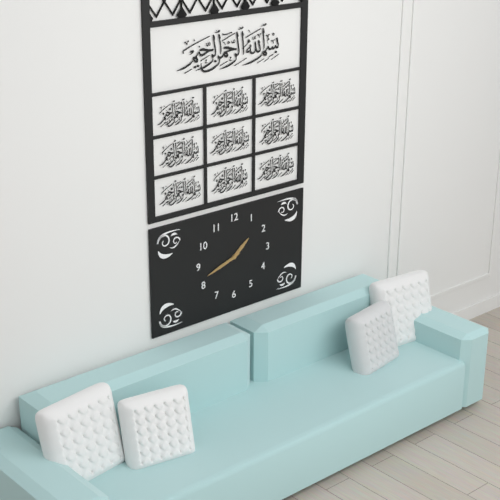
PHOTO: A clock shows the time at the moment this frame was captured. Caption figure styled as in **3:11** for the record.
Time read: **1:42**
